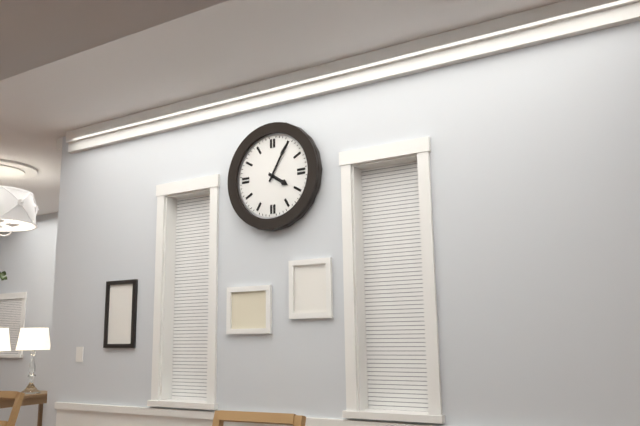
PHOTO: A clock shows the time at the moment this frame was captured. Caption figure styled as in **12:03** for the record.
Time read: **4:05**
